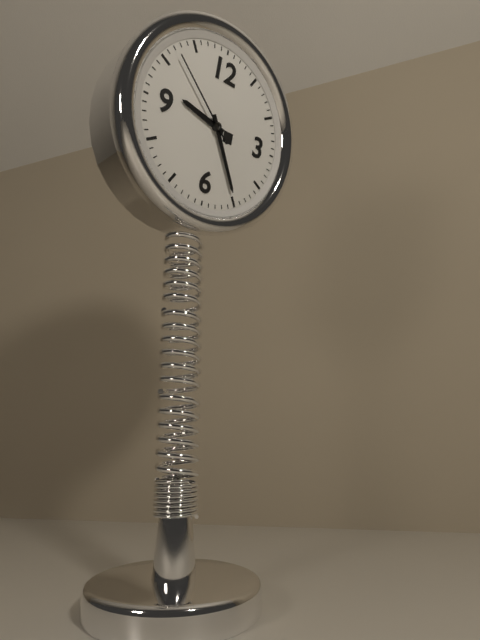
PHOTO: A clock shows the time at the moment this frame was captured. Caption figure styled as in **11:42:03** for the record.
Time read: **9:25:52**
